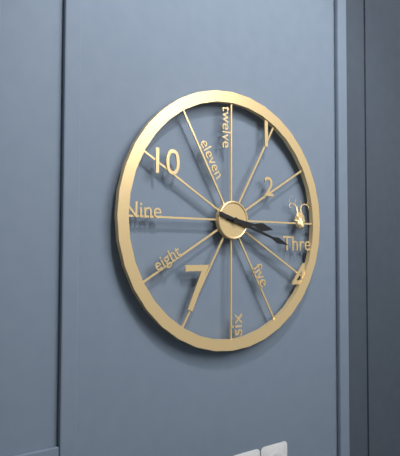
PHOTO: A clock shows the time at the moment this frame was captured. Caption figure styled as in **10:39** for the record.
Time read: **3:18**
